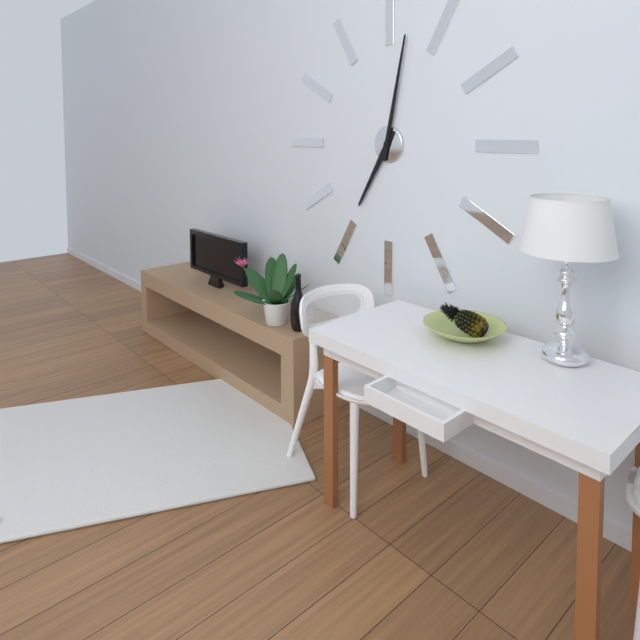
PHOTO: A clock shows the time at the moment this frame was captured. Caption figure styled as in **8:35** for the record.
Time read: **7:02**
